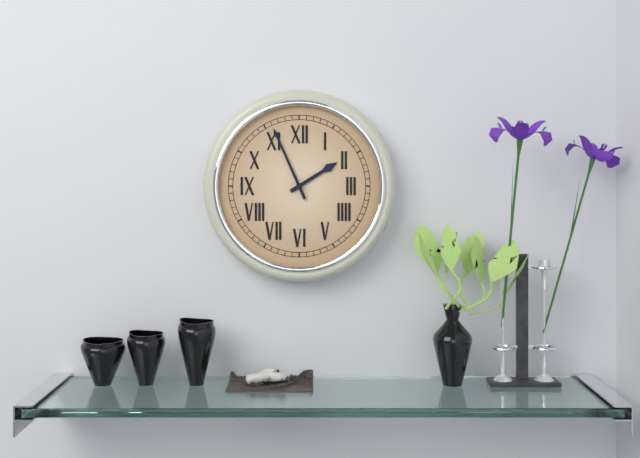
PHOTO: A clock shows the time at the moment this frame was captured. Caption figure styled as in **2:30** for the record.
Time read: **1:56**
